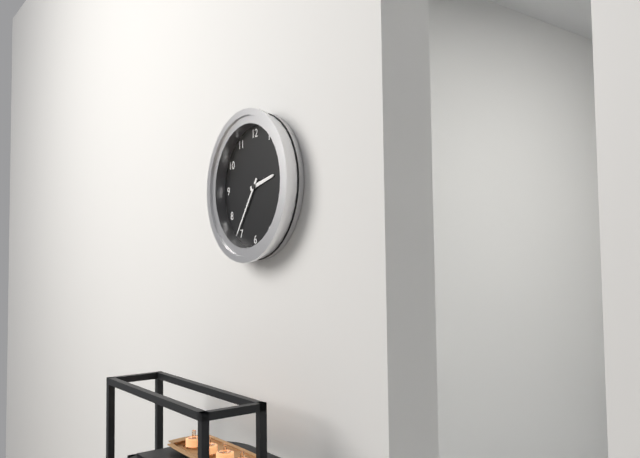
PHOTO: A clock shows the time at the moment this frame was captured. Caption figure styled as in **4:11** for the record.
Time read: **2:36**
